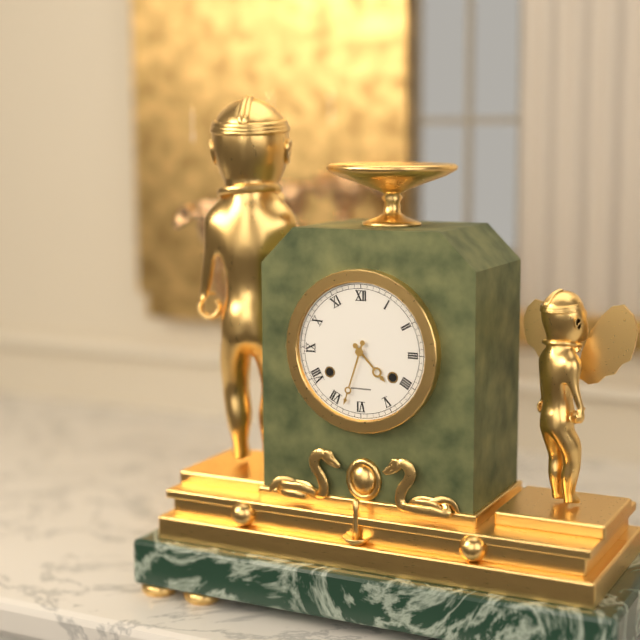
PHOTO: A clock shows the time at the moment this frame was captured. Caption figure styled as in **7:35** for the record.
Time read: **4:33**
